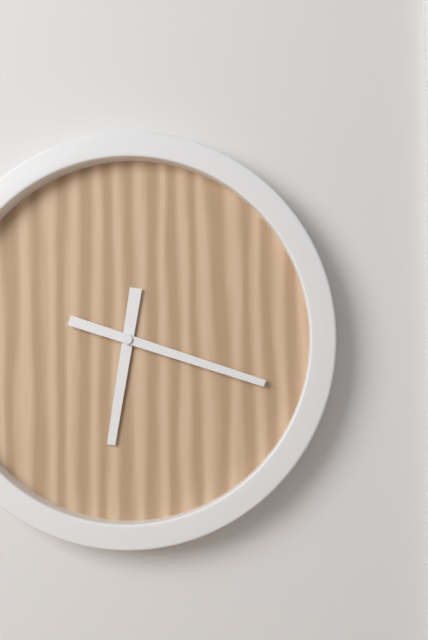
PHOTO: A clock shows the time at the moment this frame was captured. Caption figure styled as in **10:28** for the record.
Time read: **6:18**
